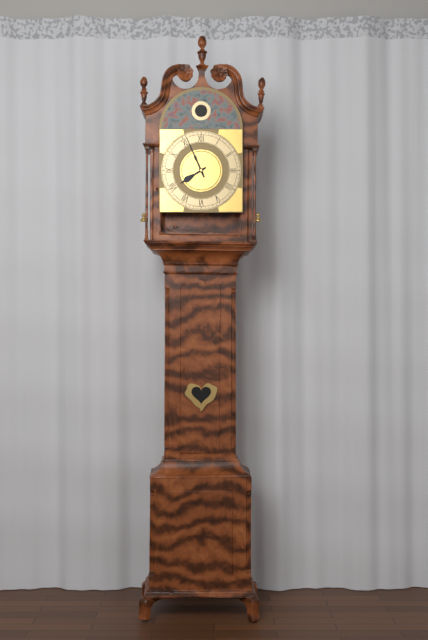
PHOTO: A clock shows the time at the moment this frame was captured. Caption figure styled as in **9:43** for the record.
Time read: **7:56**
